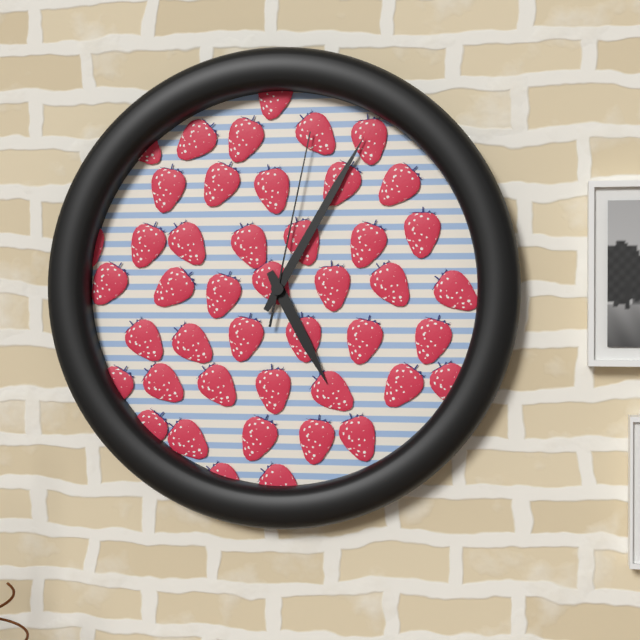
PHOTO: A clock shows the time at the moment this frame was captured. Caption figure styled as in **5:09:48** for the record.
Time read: **5:05:02**
